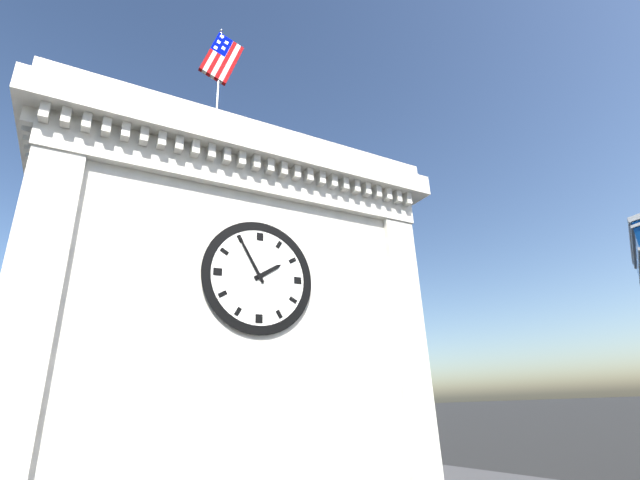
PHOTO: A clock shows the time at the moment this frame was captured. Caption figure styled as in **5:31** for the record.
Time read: **1:55**
